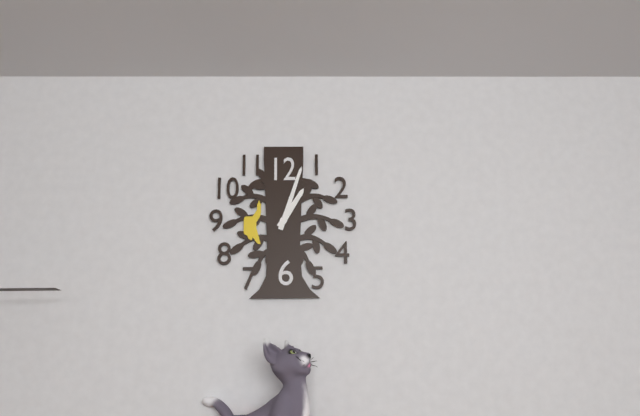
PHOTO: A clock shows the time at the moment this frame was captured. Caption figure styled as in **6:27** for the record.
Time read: **1:03**
